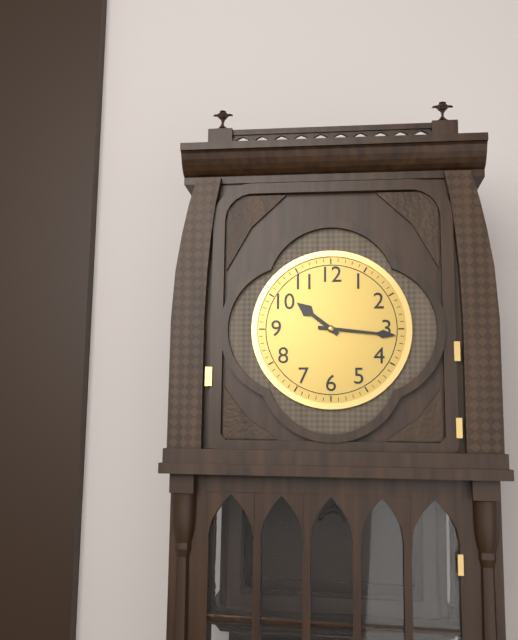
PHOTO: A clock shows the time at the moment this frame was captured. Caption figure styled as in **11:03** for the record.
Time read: **10:16**
